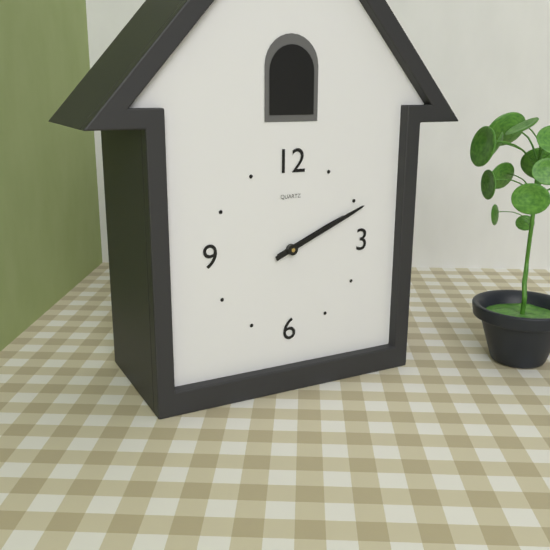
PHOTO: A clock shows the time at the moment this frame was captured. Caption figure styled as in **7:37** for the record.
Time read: **2:11**
